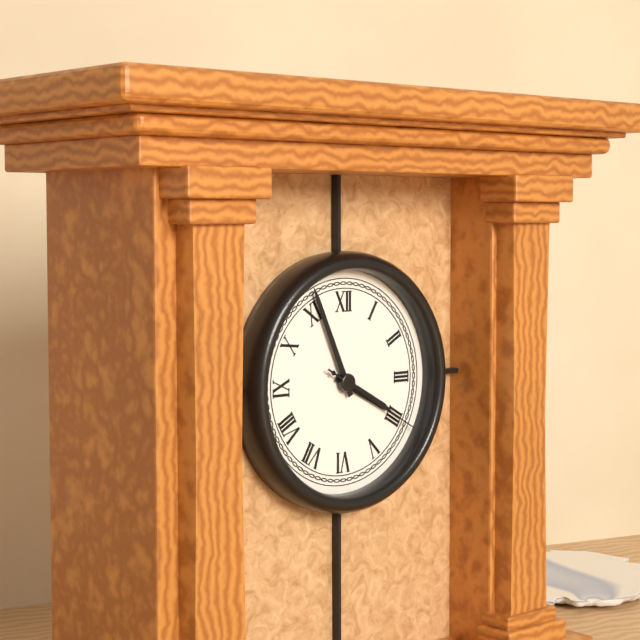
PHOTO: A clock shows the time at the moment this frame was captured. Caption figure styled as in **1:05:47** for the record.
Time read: **3:56:20**
